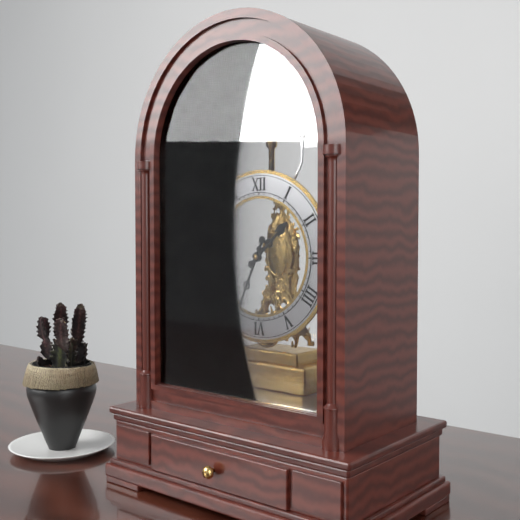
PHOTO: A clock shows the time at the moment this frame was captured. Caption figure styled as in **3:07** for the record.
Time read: **1:34**
